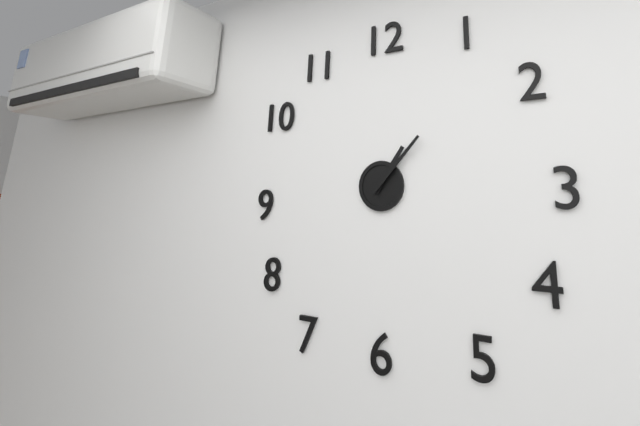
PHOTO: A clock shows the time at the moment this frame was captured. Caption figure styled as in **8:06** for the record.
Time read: **1:07**
